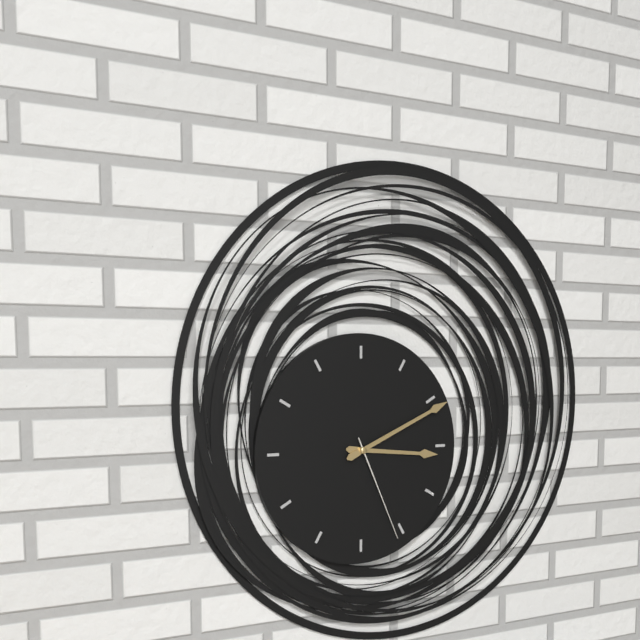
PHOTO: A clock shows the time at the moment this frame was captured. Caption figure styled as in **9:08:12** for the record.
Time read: **3:11:26**
